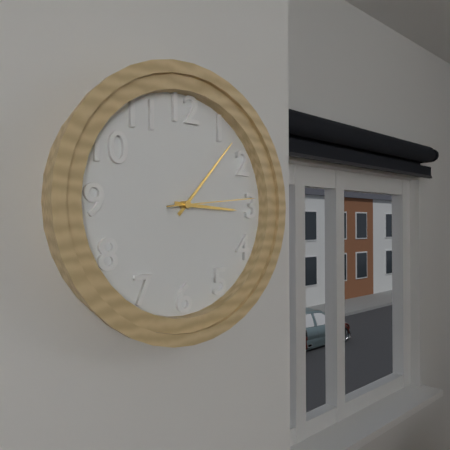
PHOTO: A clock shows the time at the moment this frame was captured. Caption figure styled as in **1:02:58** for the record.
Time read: **3:07:14**
